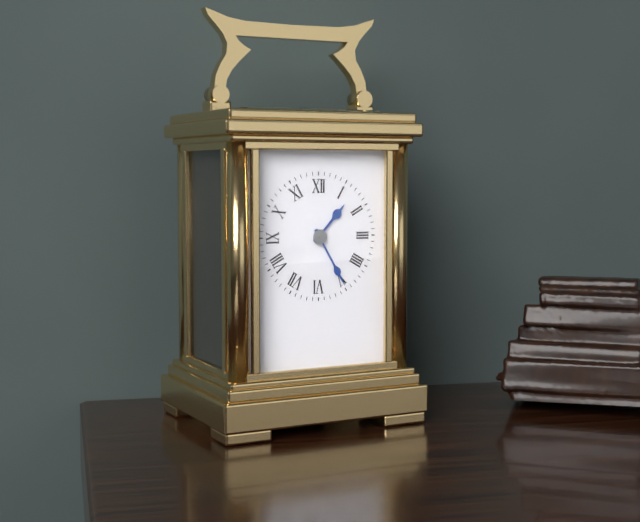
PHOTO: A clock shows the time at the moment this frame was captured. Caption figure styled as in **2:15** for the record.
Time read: **1:25**
